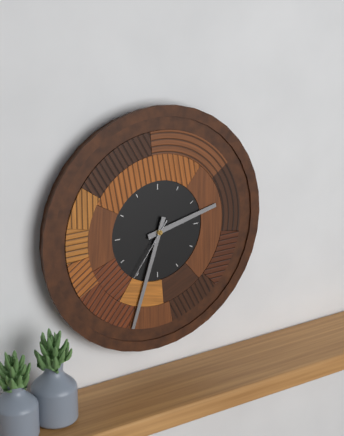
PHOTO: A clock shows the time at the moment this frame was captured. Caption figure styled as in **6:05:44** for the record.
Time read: **2:33:36**
